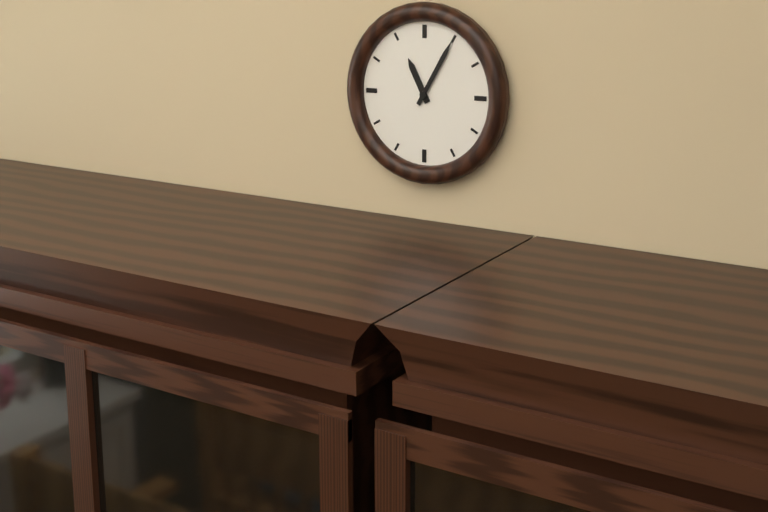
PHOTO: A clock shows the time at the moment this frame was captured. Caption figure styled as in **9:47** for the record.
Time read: **11:05**
